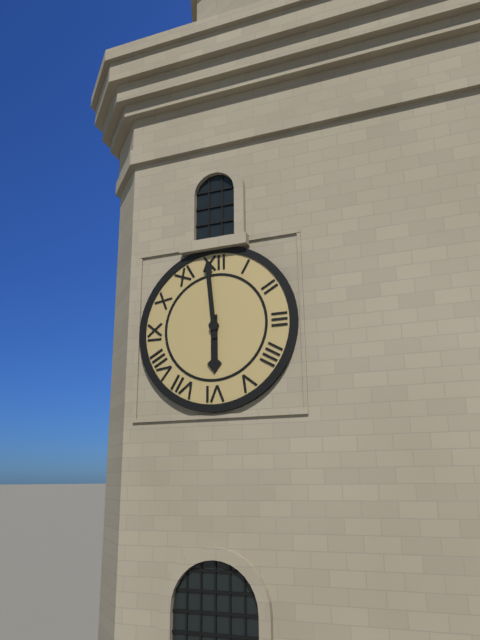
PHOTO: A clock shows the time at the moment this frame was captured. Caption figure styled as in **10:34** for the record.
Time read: **5:59**
